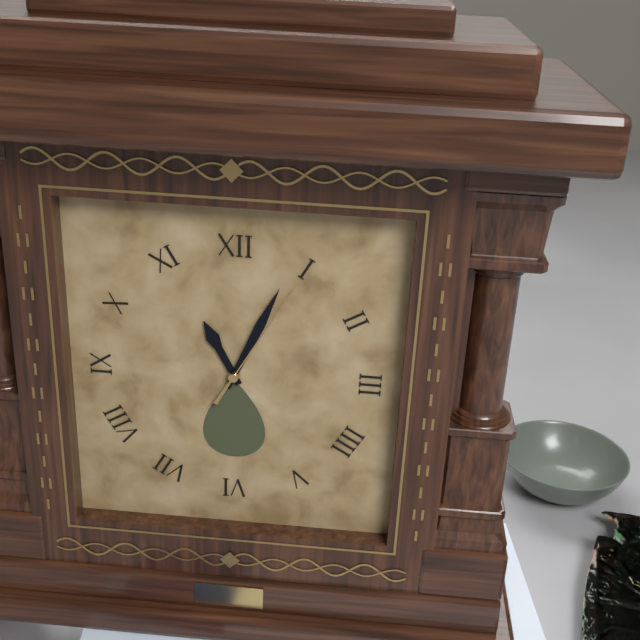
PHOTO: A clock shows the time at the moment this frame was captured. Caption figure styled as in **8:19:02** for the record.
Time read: **11:04:05**
